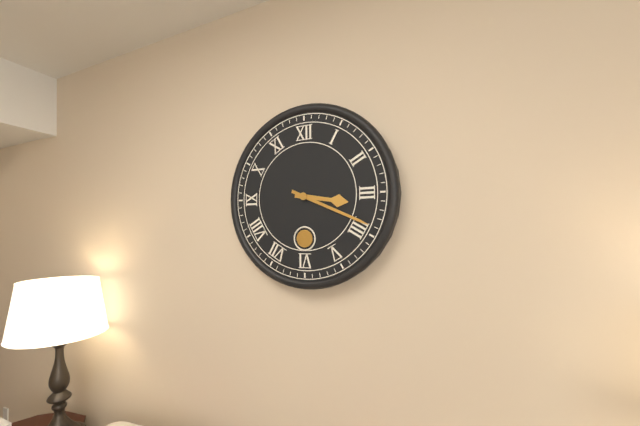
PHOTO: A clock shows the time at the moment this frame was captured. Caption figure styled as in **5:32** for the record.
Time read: **3:19**
